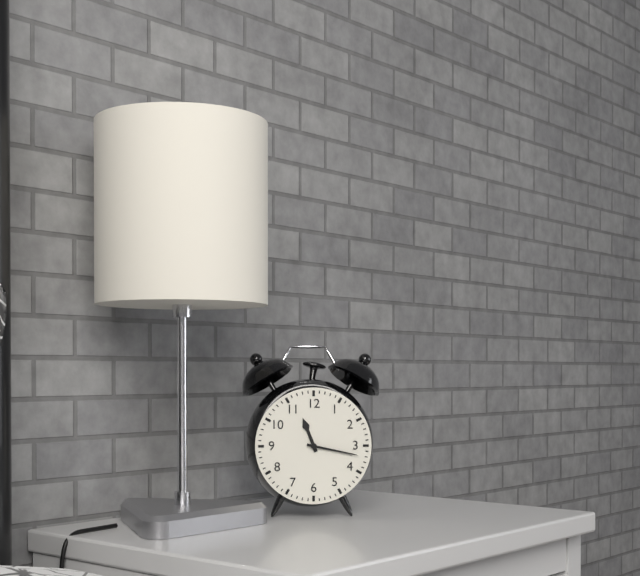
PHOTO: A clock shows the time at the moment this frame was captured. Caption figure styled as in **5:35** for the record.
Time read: **11:17**
